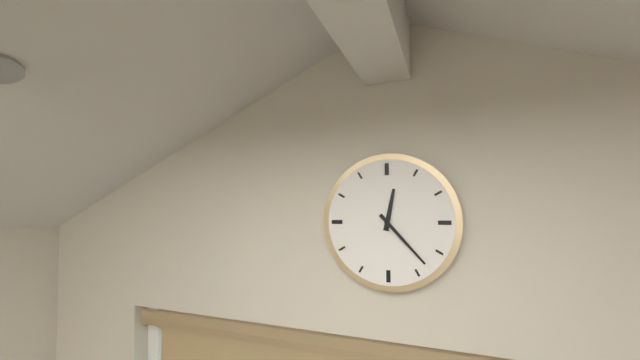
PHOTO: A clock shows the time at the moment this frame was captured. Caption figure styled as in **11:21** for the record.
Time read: **12:23**
